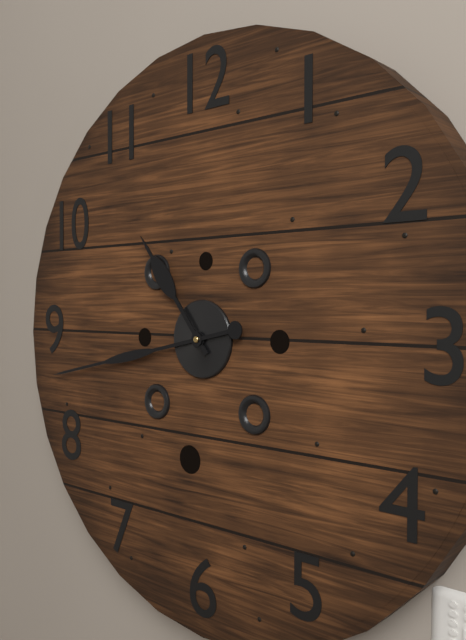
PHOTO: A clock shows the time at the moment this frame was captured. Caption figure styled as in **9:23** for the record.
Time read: **10:43**
